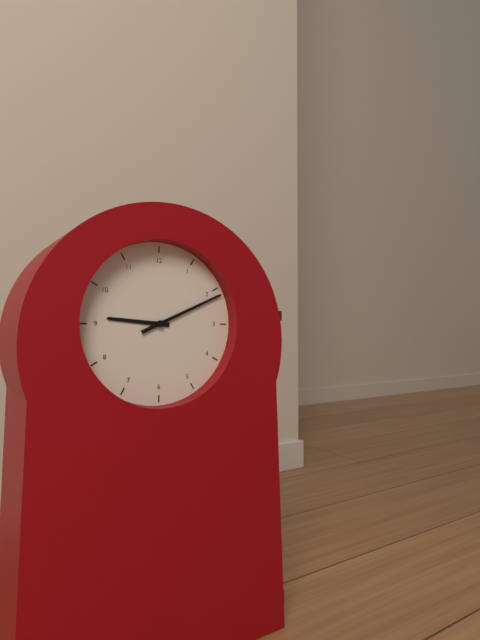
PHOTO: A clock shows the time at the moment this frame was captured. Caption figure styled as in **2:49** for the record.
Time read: **9:11**
